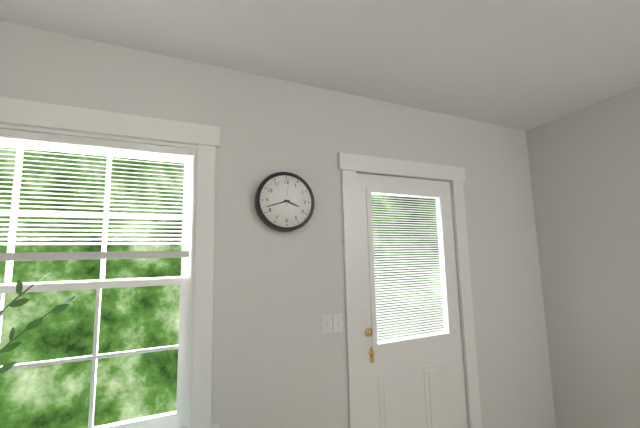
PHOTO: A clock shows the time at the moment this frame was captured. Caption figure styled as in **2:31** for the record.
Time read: **3:42**
